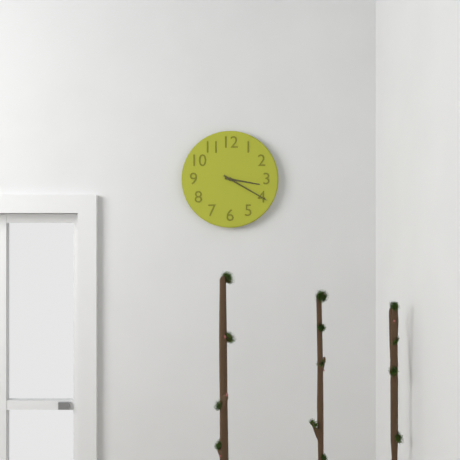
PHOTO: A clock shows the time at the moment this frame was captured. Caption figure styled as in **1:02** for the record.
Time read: **3:20**
